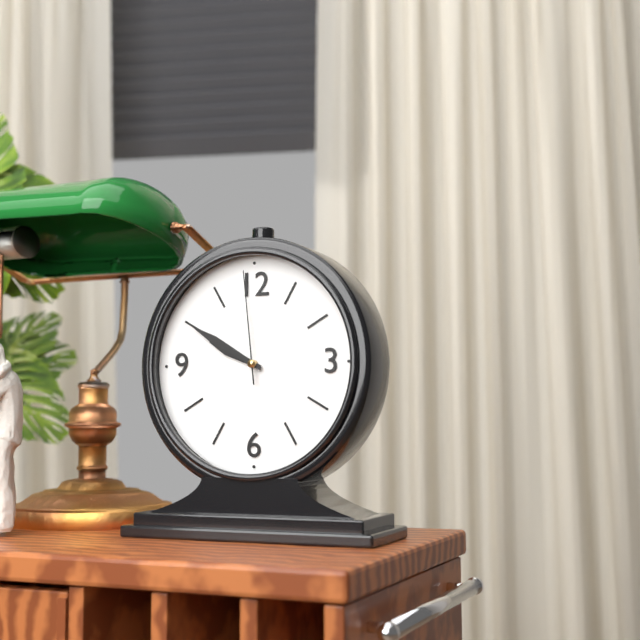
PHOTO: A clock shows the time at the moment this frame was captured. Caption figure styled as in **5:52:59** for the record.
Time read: **9:50:59**
